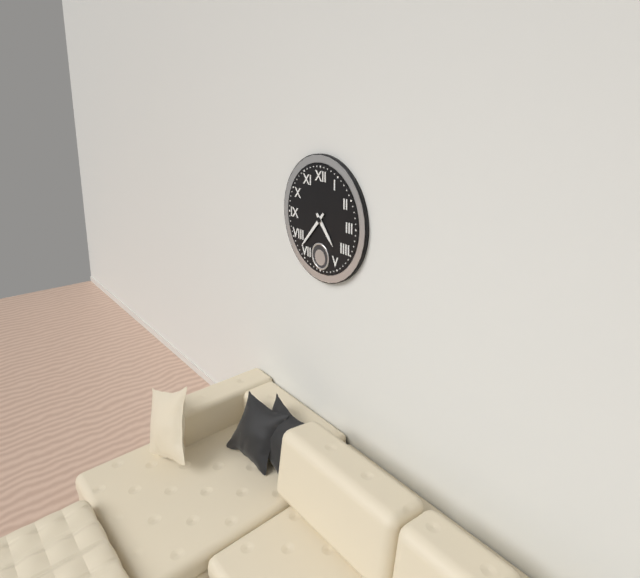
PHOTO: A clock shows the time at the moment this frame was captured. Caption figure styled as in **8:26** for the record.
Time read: **4:37**
